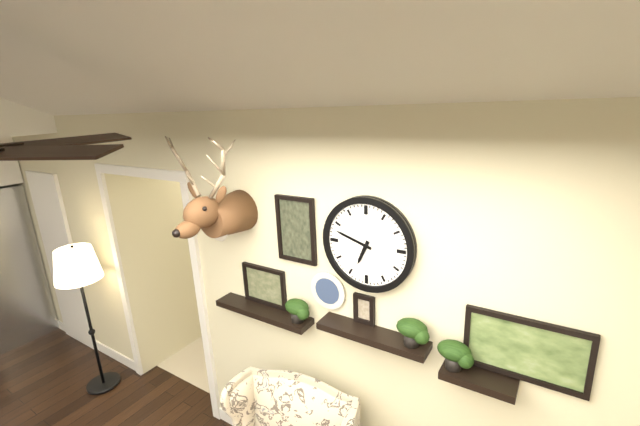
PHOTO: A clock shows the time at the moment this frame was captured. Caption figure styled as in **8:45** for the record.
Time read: **6:48**
